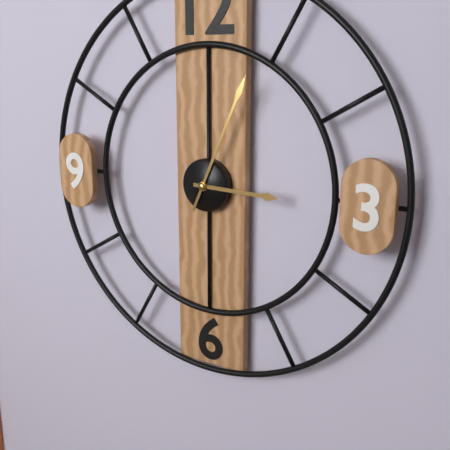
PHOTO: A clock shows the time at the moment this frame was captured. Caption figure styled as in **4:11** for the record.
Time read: **3:04**
